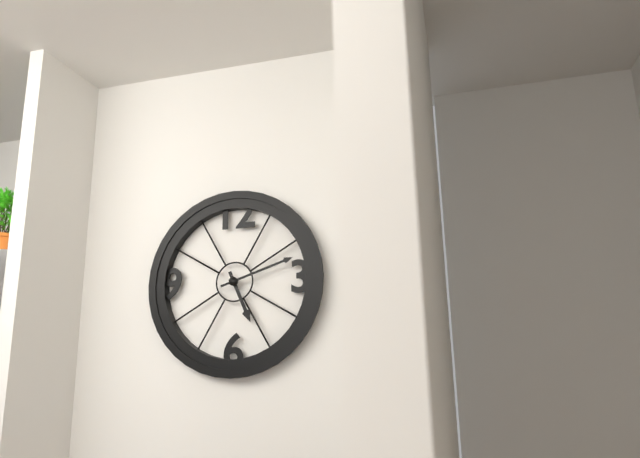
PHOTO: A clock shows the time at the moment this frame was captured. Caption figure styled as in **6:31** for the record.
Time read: **5:12**
